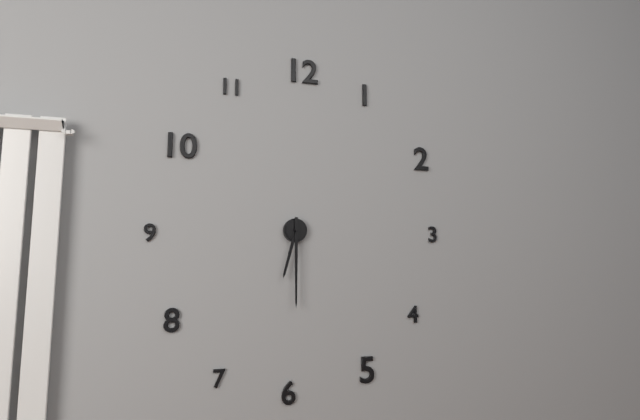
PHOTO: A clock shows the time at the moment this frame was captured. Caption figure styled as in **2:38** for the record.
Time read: **6:30**
